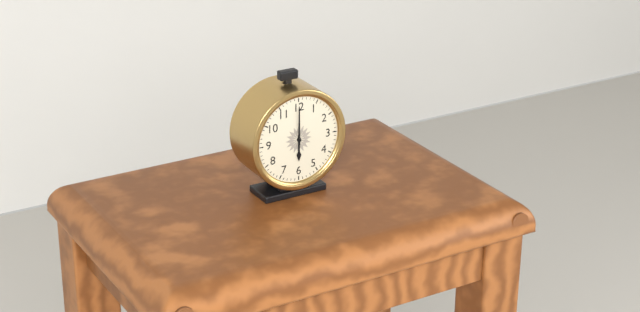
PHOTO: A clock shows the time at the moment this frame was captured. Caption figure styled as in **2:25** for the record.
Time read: **6:00**
